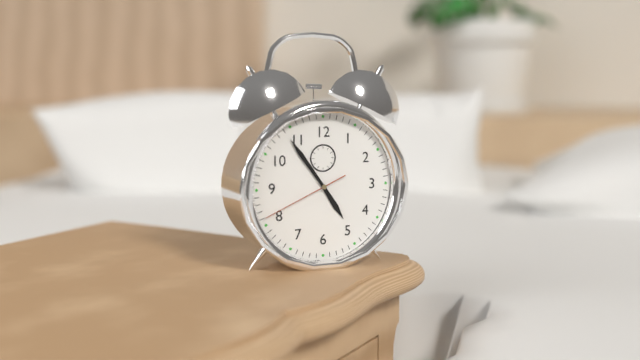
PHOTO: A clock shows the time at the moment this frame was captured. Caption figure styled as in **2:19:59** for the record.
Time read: **4:54:41**
